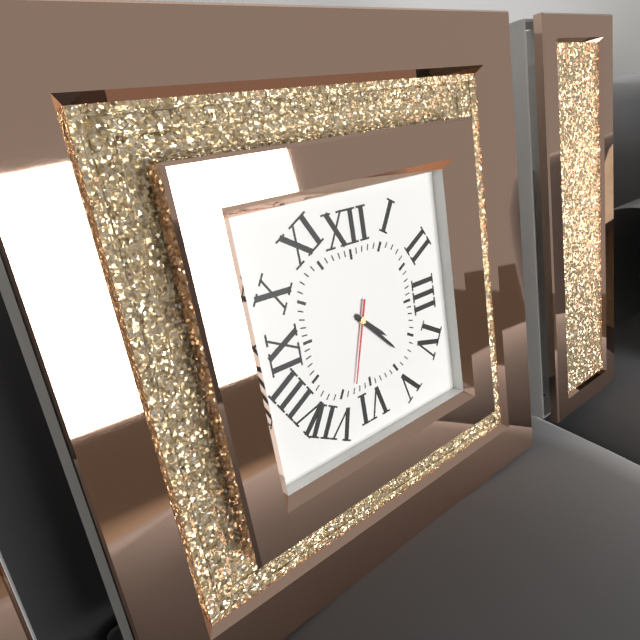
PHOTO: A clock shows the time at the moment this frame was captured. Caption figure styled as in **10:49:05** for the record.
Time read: **4:23:33**
